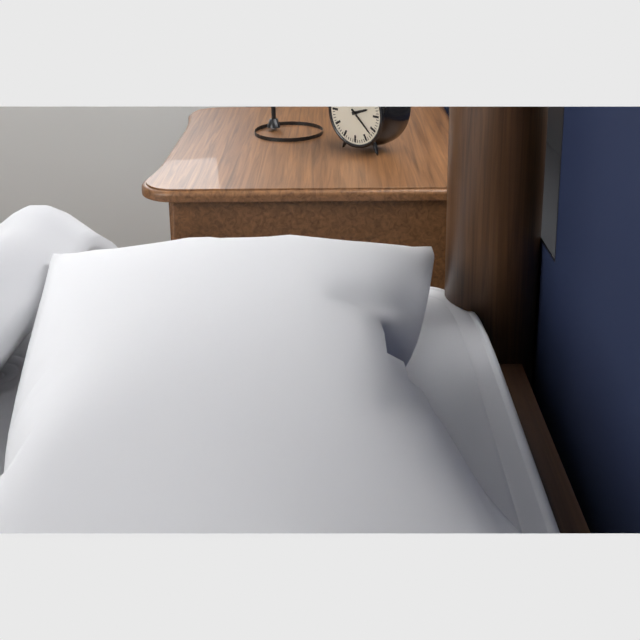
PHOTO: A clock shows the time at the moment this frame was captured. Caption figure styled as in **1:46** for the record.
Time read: **2:22**
